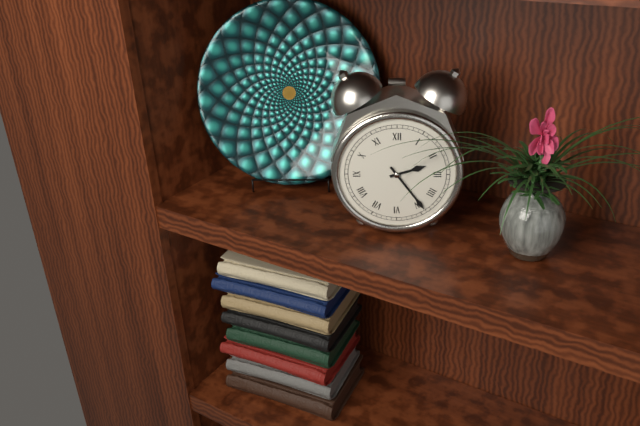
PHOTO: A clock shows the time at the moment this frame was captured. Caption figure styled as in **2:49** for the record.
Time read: **2:24**
